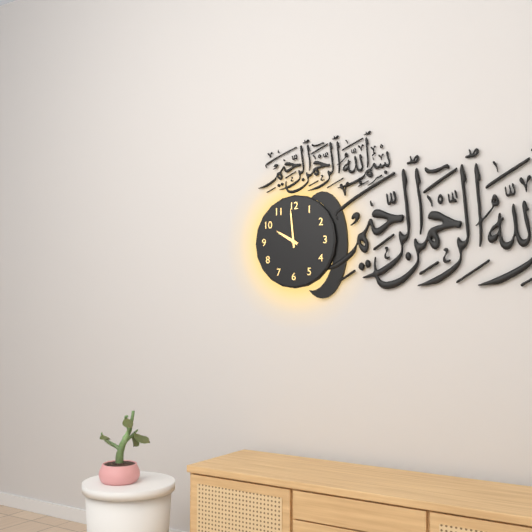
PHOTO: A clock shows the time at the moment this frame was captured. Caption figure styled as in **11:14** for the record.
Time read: **9:59**
